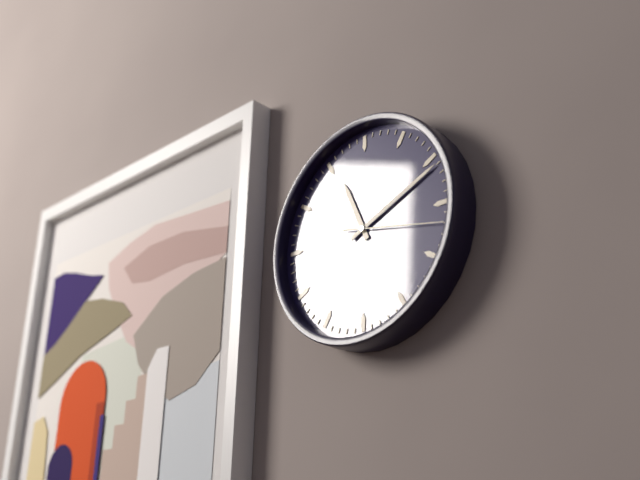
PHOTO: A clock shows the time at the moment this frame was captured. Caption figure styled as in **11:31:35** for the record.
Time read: **11:11:17**
